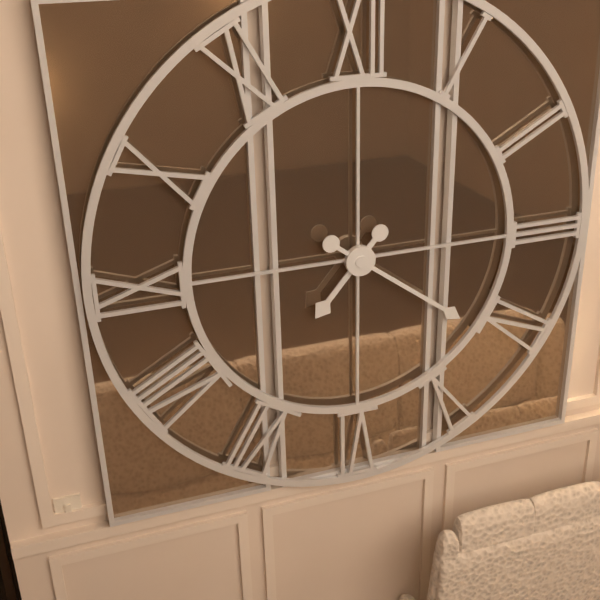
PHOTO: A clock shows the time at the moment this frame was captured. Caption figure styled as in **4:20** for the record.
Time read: **7:21**
